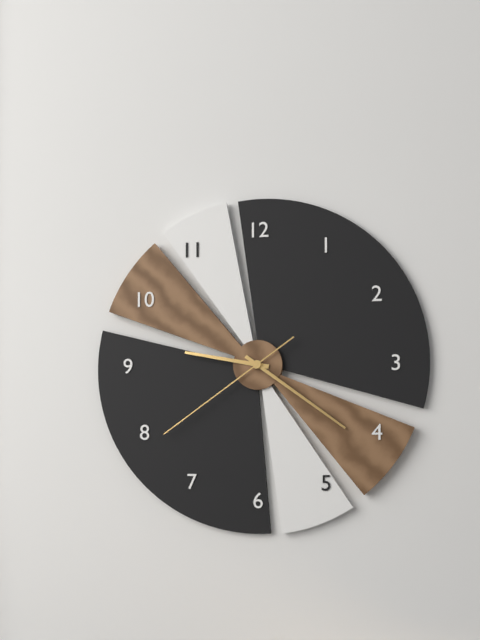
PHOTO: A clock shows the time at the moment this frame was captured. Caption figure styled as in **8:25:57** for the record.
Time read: **9:21:39**
